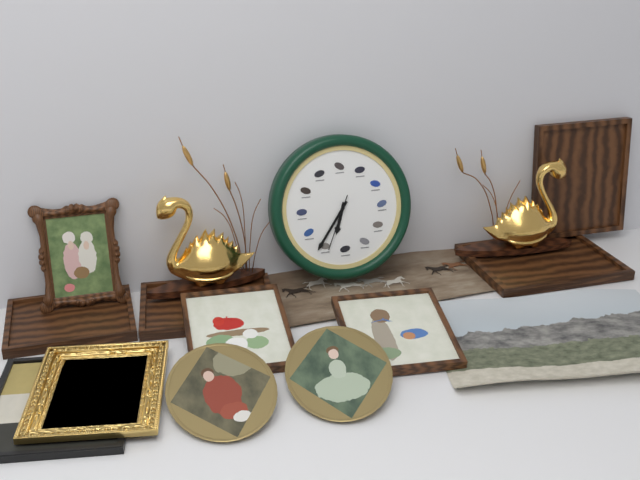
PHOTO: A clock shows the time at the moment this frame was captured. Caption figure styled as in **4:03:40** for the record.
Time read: **6:36:34**
